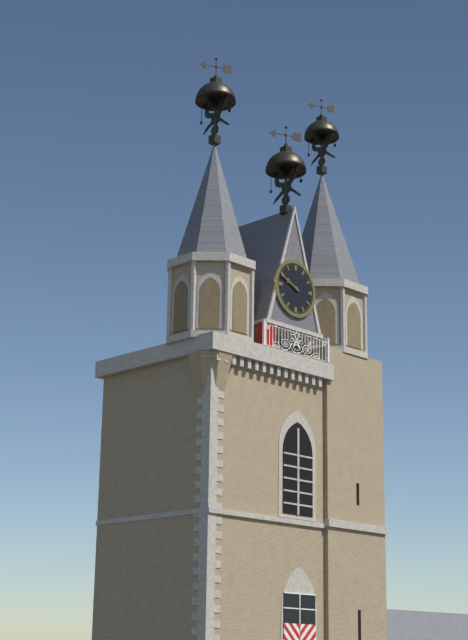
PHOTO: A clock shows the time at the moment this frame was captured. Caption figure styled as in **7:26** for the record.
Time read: **9:49**
